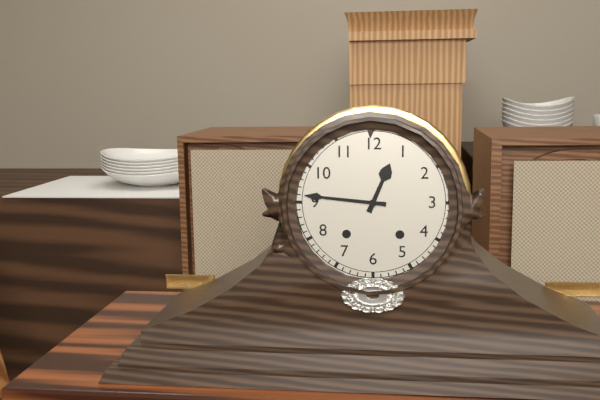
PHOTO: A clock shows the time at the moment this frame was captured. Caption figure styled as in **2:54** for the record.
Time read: **12:46**
